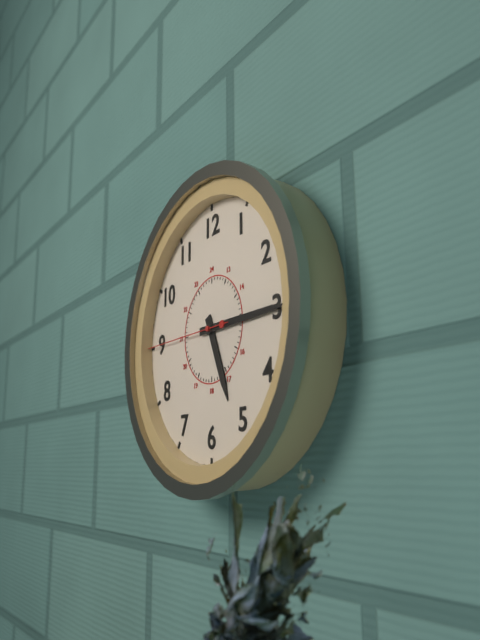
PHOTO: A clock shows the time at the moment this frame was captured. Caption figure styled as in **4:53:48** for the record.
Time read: **5:15:45**
